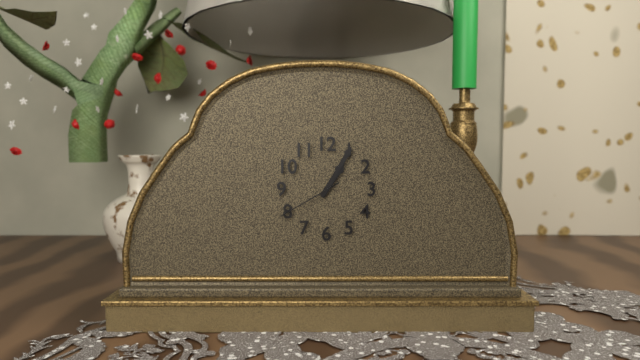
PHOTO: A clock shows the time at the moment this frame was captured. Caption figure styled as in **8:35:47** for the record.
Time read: **1:05:40**
